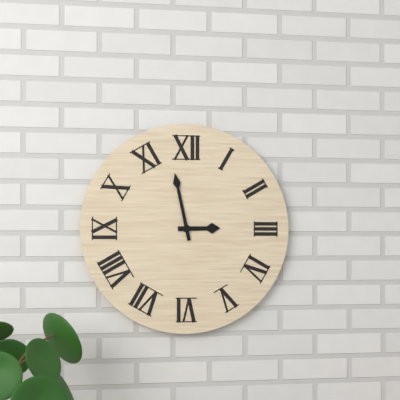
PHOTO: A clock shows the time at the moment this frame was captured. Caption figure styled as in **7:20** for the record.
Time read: **2:58**
